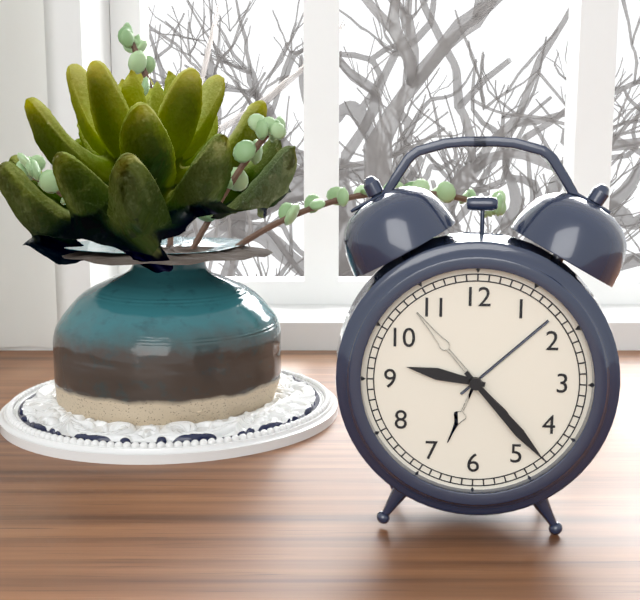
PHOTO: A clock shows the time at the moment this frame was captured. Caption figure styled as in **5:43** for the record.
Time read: **9:23**
